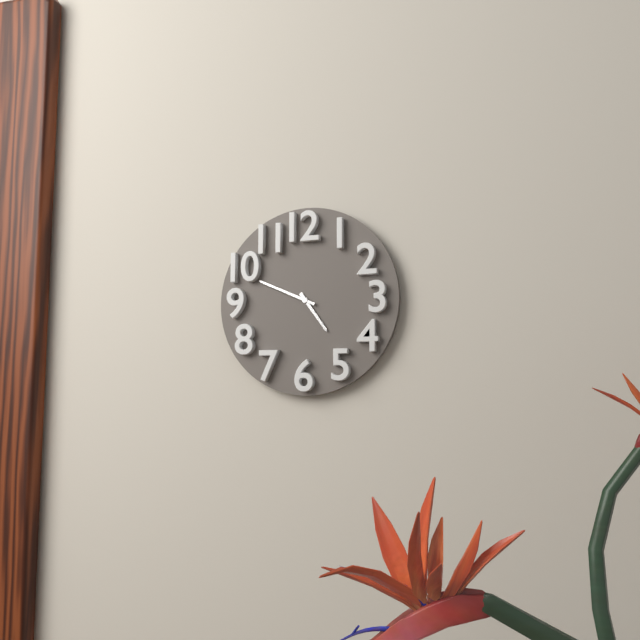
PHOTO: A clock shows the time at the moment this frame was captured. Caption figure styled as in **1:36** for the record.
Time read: **4:49**
